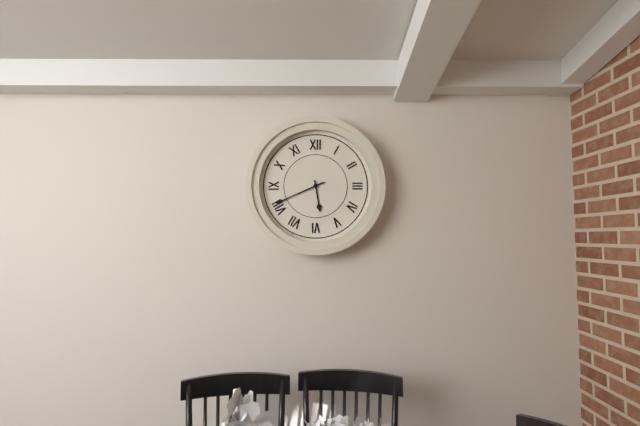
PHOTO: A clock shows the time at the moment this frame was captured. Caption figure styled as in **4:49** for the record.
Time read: **5:41**
